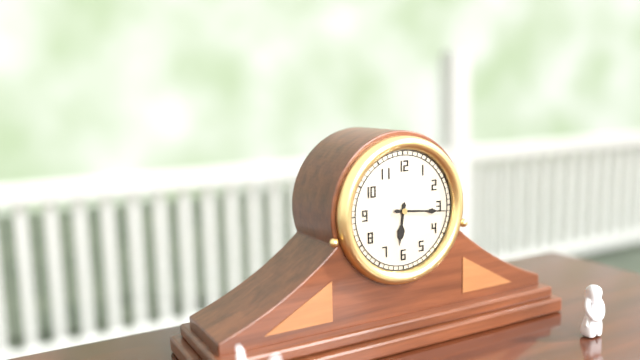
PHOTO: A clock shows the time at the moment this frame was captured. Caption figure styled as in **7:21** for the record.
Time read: **6:16**
